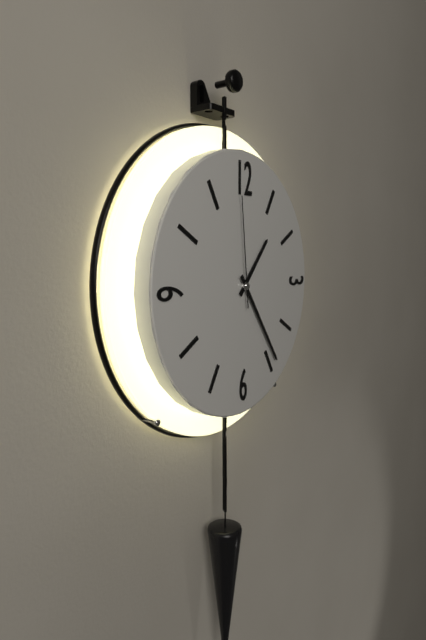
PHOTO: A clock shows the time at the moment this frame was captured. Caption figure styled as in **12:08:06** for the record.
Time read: **1:24:59**
